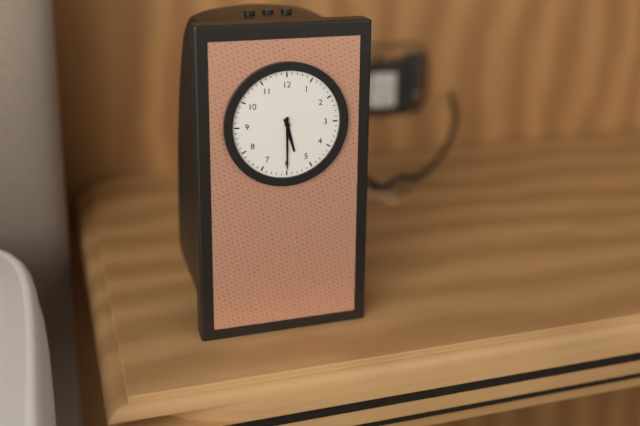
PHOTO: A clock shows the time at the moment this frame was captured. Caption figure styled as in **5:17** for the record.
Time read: **5:30**
